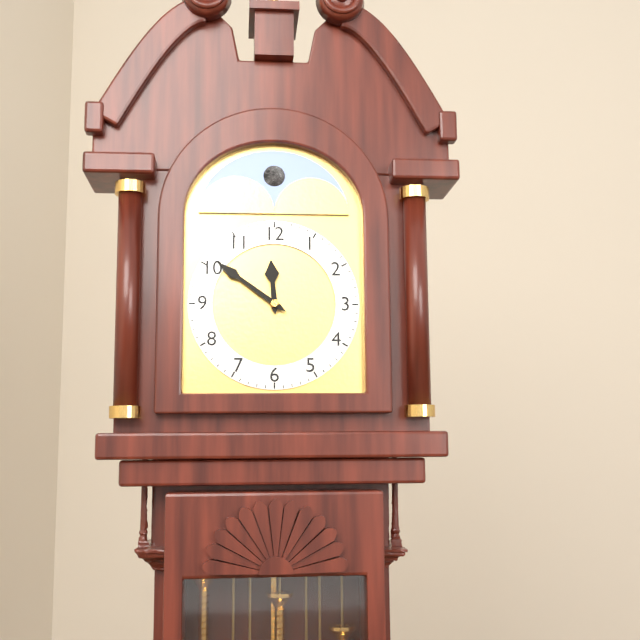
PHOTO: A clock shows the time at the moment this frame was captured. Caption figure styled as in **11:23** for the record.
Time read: **11:51**
